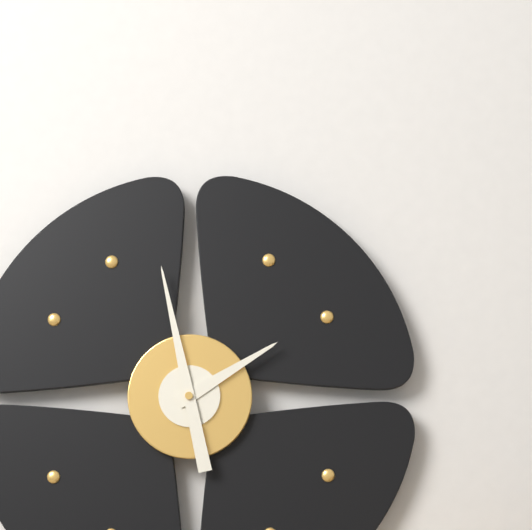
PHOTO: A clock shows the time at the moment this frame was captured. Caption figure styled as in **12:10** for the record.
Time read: **1:58**
